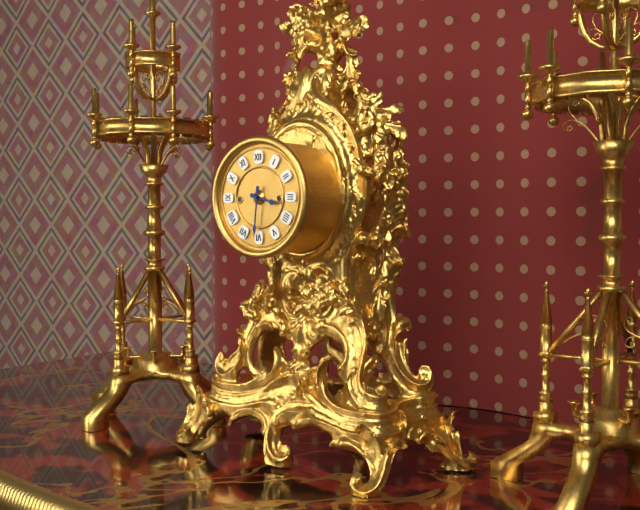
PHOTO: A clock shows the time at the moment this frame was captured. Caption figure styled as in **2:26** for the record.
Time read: **3:31**
